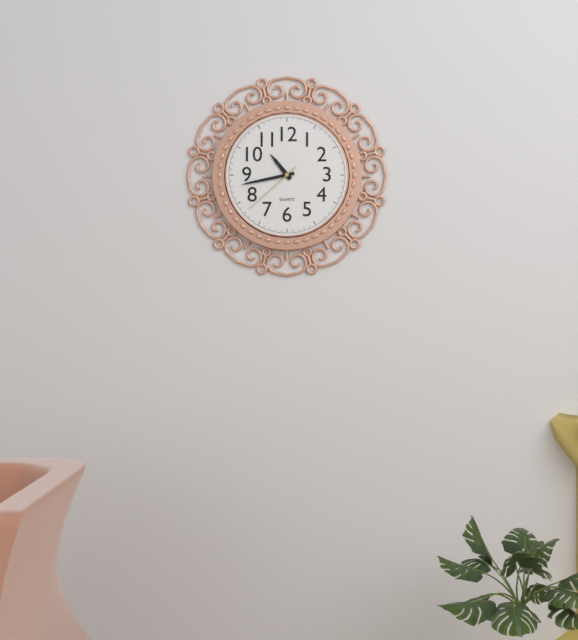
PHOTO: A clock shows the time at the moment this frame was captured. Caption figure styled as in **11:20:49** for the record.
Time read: **10:43:38**
